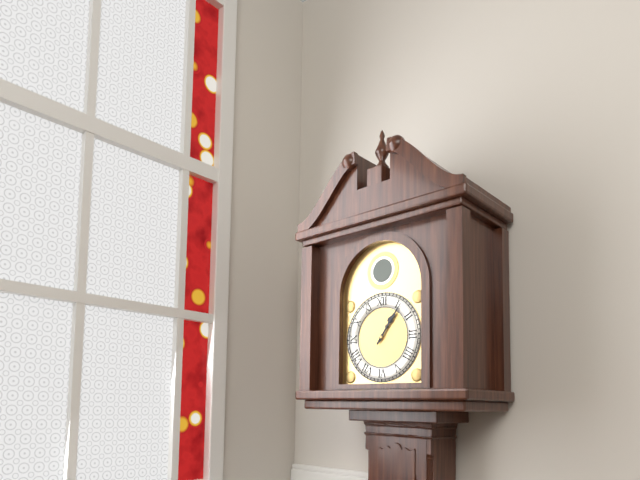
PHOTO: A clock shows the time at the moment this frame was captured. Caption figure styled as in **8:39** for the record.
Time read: **1:06**
